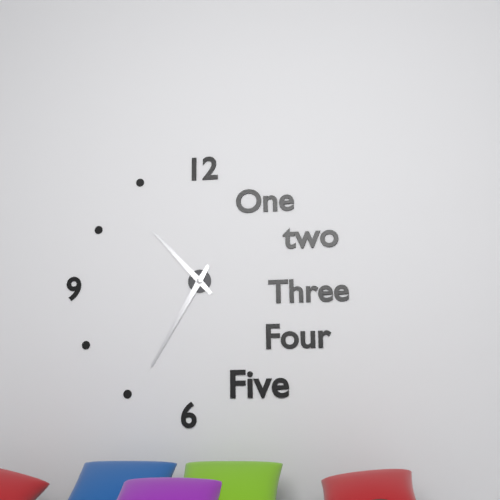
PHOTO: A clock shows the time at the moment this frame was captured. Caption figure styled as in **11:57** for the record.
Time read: **10:35**
